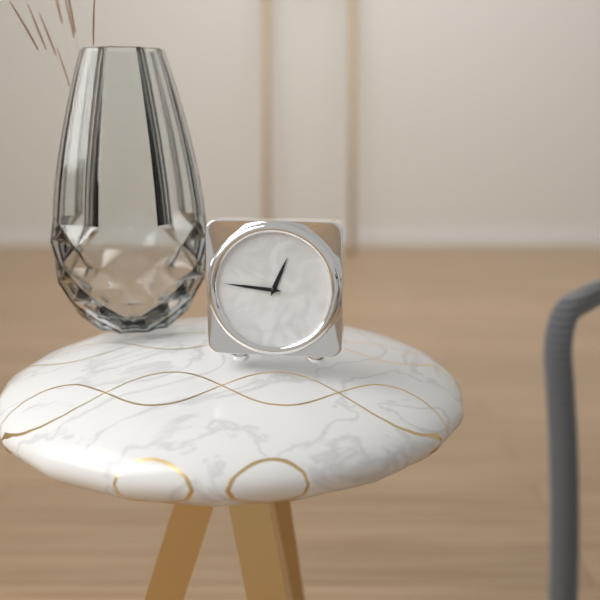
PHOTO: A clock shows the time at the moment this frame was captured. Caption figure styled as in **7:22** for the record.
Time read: **12:46**
